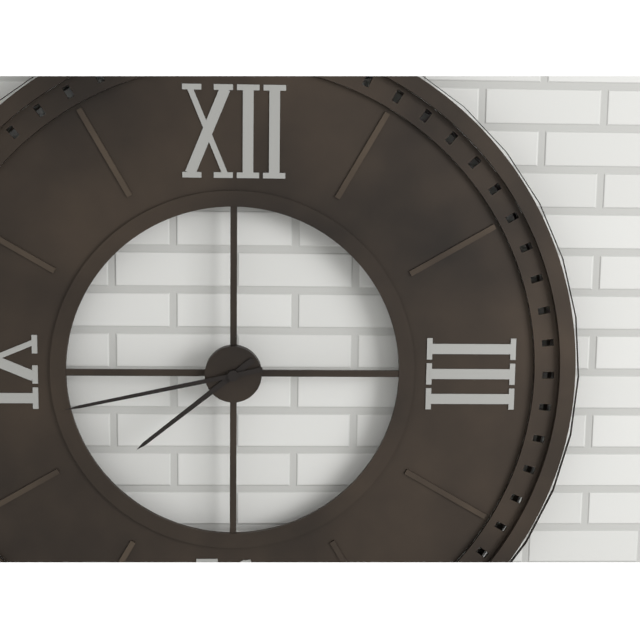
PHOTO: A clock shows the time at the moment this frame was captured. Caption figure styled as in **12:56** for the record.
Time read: **7:43**
